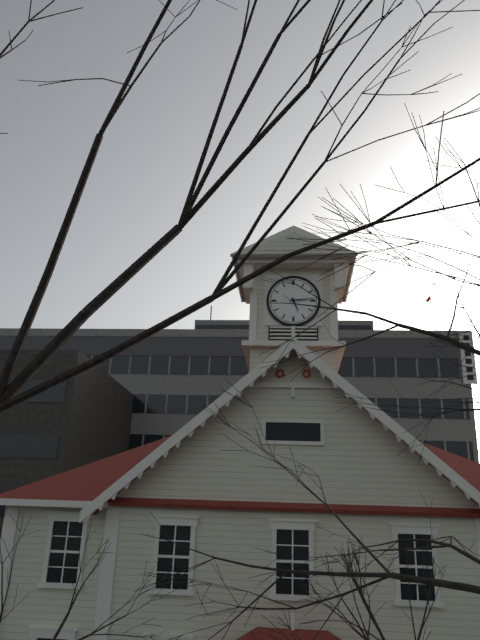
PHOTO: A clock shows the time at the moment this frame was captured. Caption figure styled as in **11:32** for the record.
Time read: **5:14**
